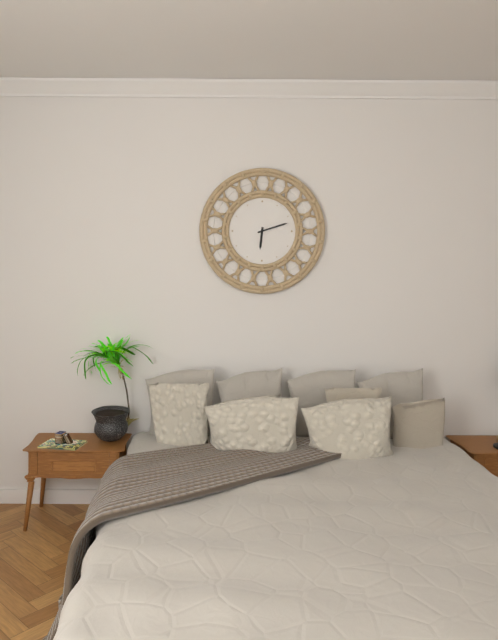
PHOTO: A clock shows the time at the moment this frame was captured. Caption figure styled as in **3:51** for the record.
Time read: **6:12**
